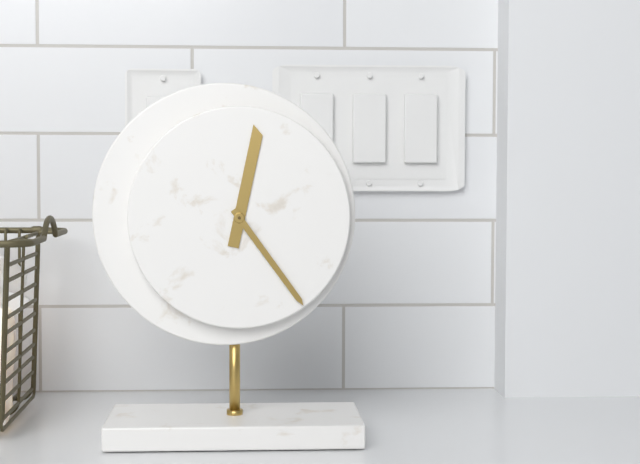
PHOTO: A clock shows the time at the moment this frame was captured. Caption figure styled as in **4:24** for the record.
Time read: **12:24**
